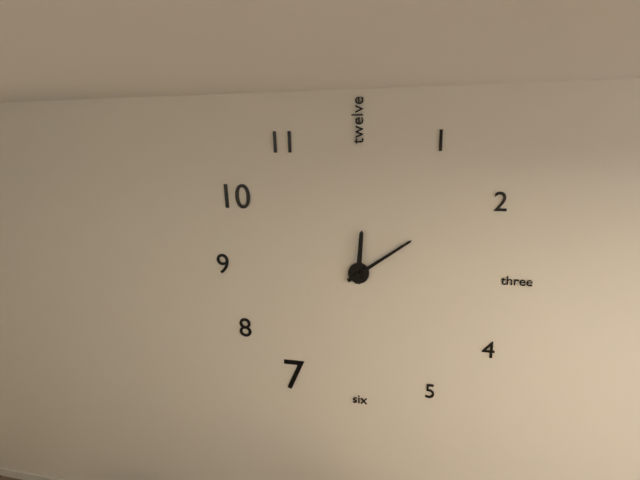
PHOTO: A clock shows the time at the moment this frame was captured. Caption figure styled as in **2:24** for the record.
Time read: **12:09**
